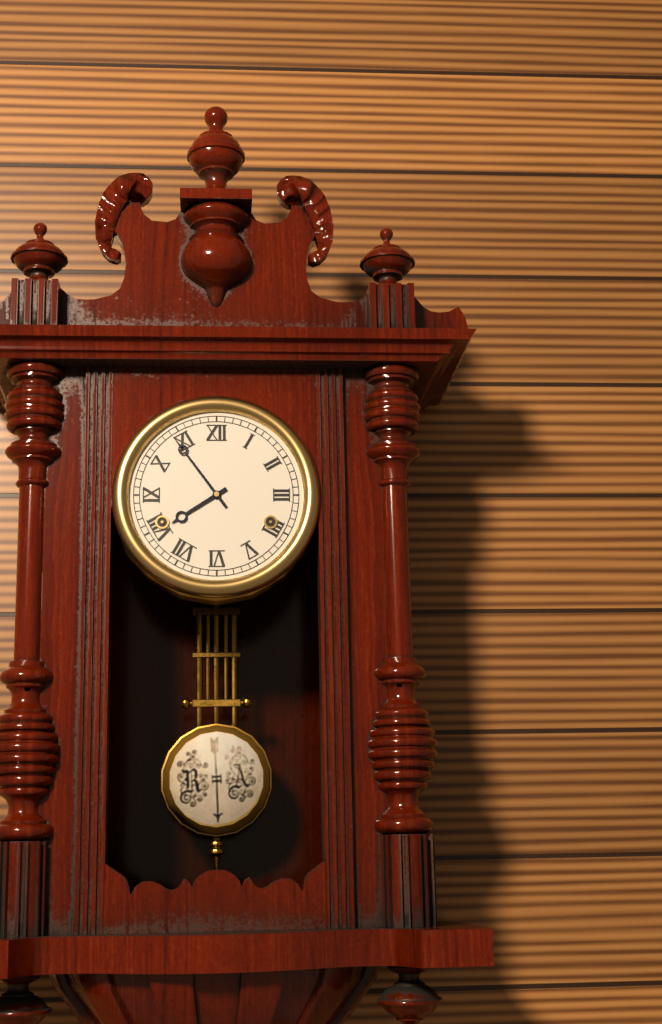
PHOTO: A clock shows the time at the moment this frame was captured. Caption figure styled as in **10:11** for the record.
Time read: **7:54**
